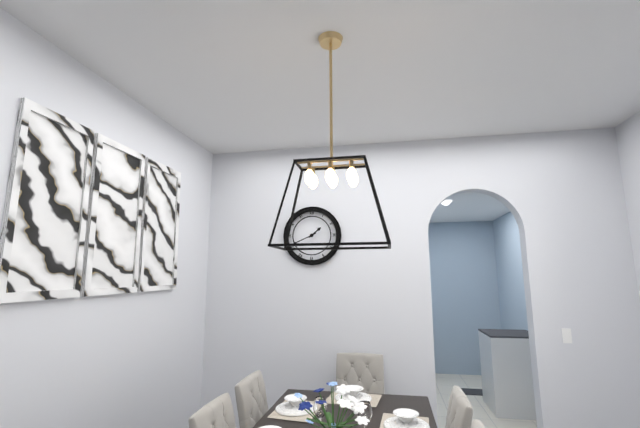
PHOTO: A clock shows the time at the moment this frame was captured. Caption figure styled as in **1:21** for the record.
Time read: **1:41**
